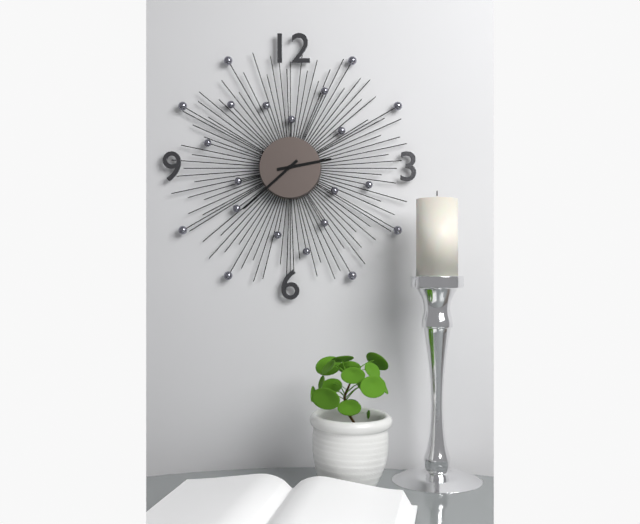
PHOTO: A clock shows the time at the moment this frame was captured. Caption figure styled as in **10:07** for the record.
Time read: **2:38**
